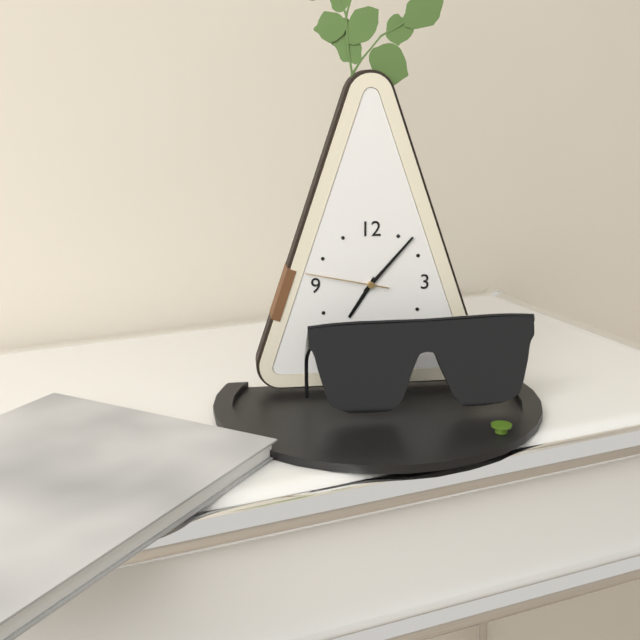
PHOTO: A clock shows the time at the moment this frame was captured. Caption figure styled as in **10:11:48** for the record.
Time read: **7:07:47**
